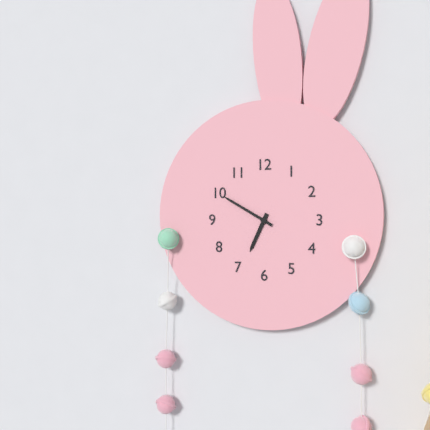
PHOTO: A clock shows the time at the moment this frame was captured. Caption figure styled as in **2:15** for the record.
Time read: **6:50**
